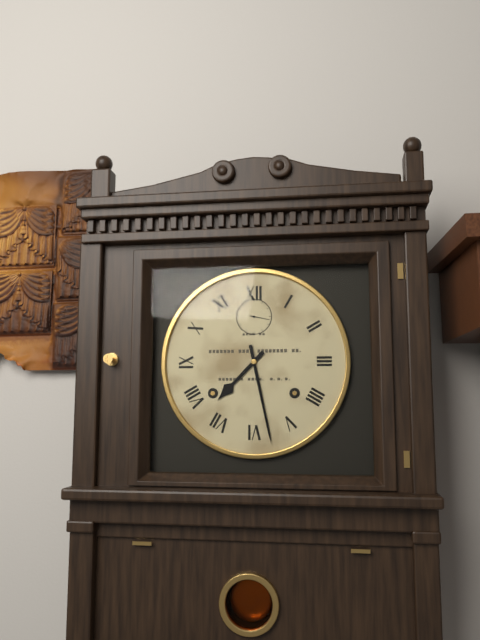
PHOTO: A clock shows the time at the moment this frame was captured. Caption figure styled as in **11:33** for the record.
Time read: **7:28**
